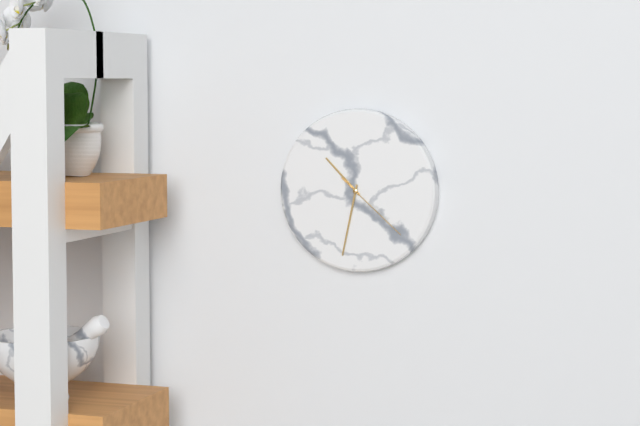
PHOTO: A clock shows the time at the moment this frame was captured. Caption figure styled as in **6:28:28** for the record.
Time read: **10:32:22**
